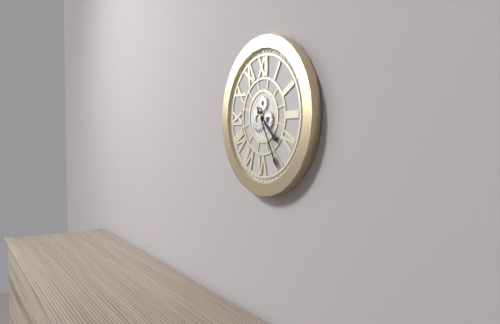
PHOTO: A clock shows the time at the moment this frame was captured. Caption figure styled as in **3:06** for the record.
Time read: **4:25**
